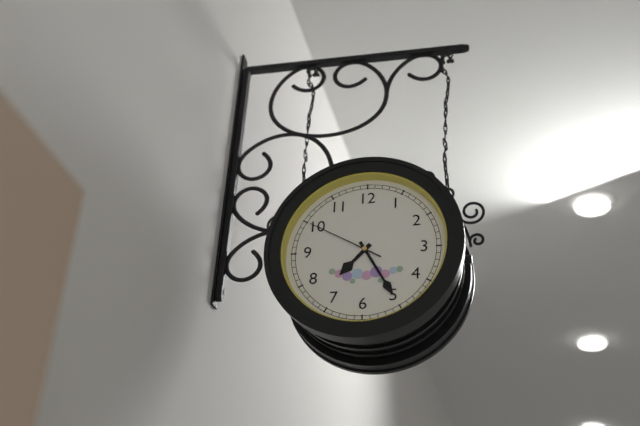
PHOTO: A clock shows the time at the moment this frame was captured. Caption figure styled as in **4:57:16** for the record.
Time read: **7:25:50**
